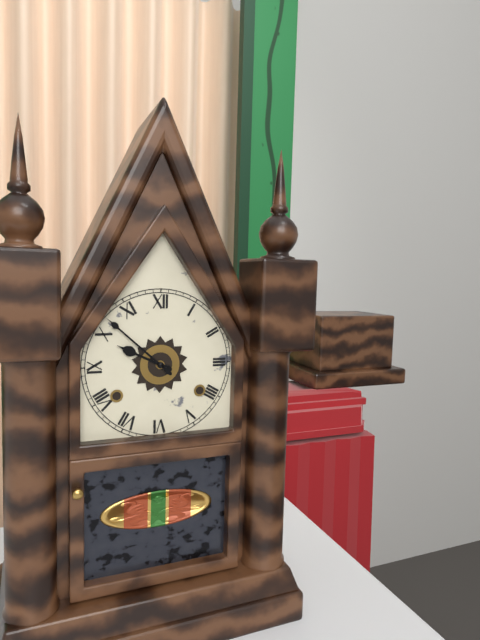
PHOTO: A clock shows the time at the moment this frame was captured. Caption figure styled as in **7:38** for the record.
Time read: **9:52**
